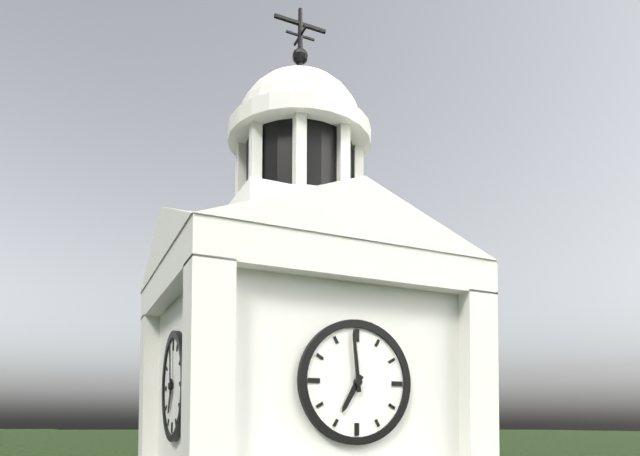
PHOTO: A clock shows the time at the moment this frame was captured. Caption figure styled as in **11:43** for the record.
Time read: **6:59**
